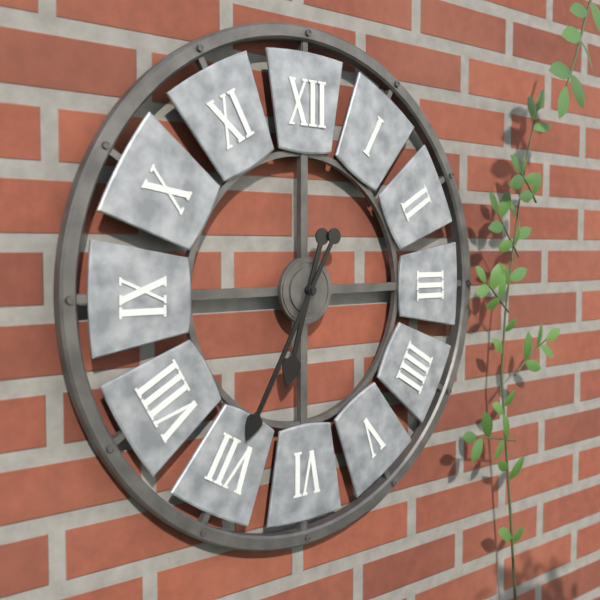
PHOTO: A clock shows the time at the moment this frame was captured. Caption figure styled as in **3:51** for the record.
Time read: **6:35**
